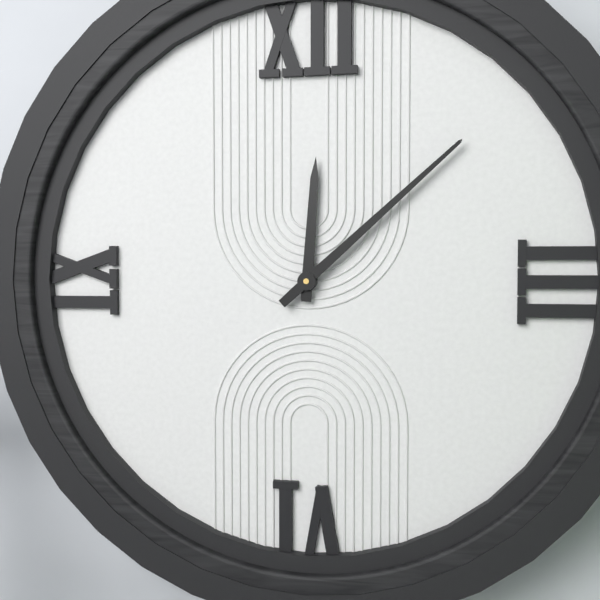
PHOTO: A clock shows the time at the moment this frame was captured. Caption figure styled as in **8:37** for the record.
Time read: **12:08**
